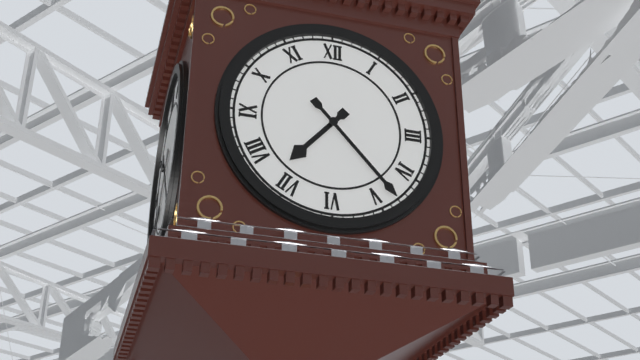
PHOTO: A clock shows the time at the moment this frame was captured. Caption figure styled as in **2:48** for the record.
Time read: **7:23**
